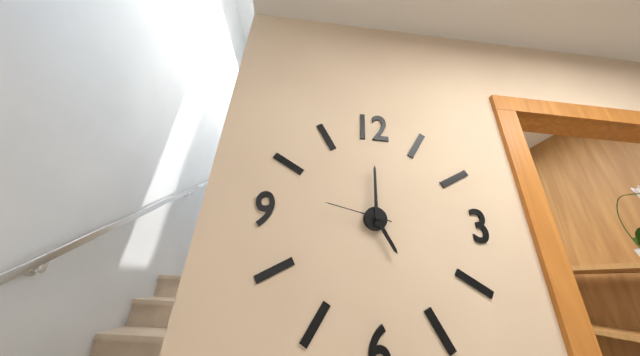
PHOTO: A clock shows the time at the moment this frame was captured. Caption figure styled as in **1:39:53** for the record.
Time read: **5:00:47**
